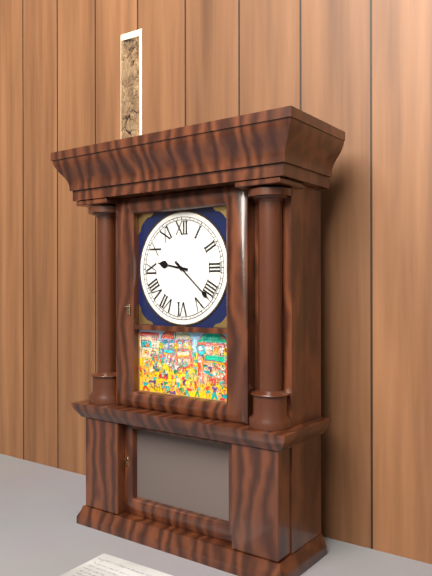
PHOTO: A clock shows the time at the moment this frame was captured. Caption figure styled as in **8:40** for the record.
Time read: **9:22**
